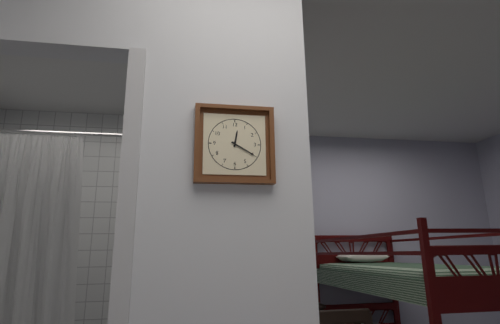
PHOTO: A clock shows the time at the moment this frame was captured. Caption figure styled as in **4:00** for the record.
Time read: **12:20**
